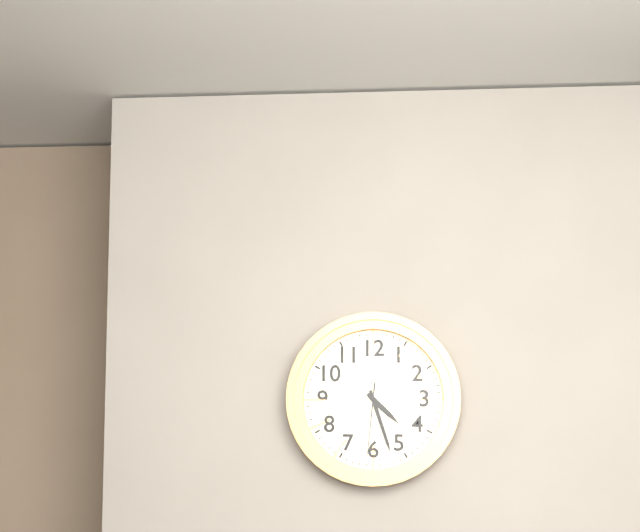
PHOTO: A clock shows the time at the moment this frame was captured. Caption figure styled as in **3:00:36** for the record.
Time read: **4:27:31**
